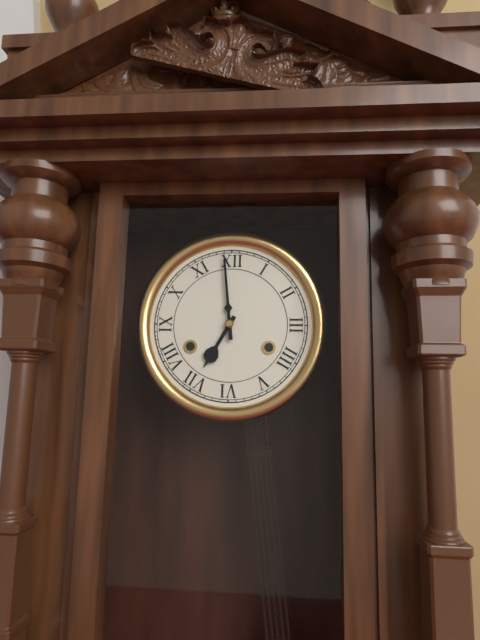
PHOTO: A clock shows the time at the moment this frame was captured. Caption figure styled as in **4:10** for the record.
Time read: **6:59**
